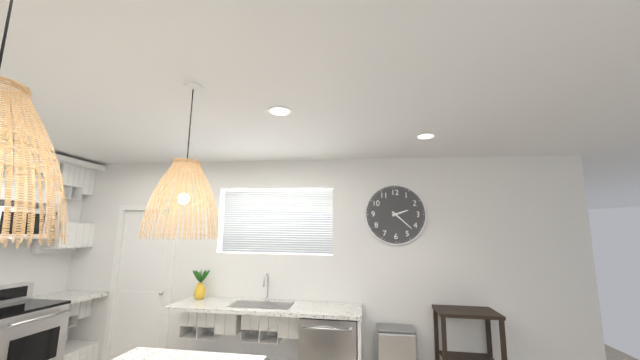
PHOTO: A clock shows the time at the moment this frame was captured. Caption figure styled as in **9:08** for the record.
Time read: **2:22**
